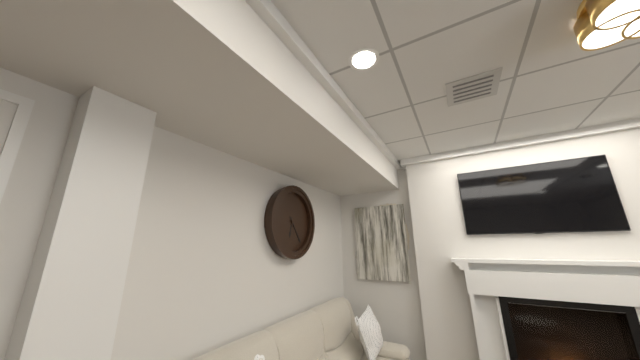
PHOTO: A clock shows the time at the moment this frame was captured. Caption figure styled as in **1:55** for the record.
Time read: **6:24**
